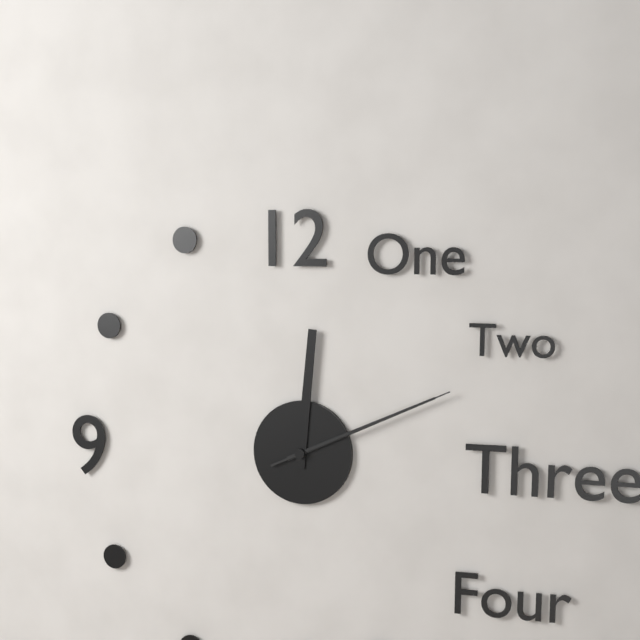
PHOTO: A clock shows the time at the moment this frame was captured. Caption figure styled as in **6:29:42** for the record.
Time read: **12:11:11**
